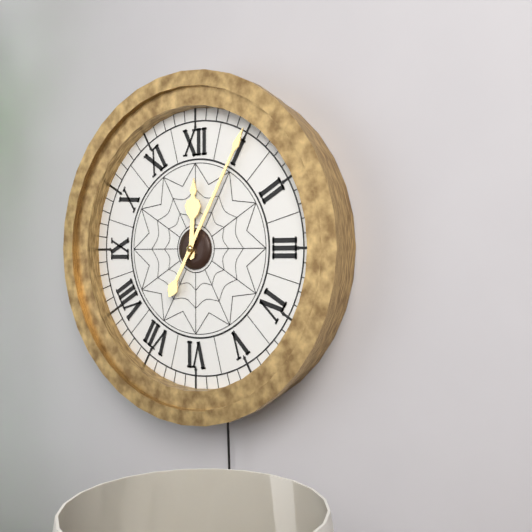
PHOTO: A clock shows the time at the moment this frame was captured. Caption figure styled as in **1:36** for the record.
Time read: **12:05**
